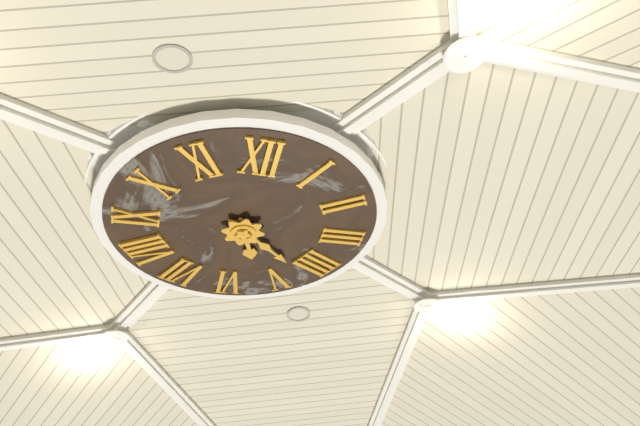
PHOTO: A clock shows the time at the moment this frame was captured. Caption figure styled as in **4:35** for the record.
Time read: **5:22**
